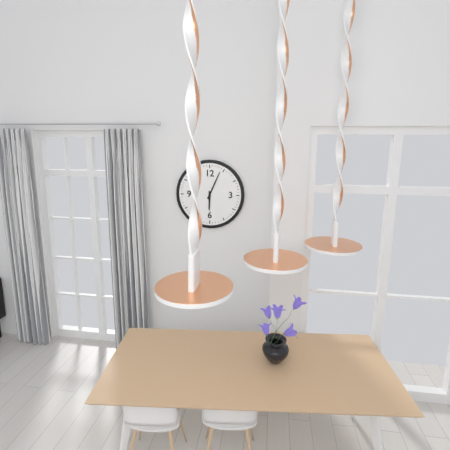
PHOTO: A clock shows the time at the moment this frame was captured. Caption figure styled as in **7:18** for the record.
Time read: **6:04**
